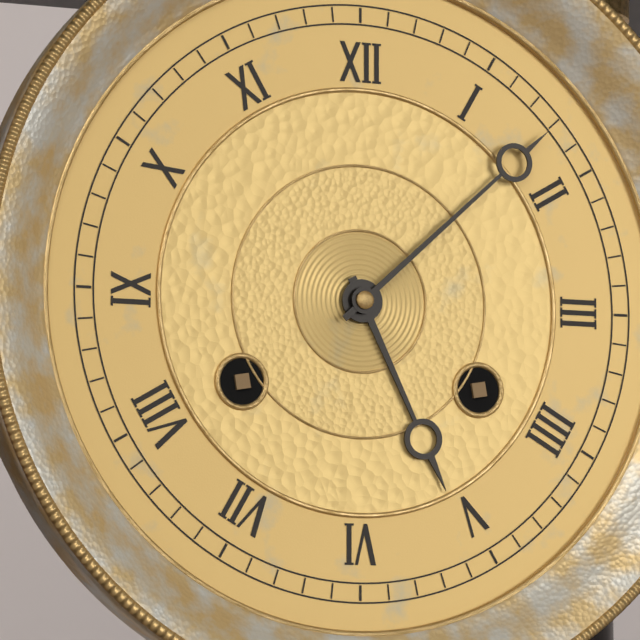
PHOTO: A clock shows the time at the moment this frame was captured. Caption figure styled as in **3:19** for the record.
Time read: **5:08**
